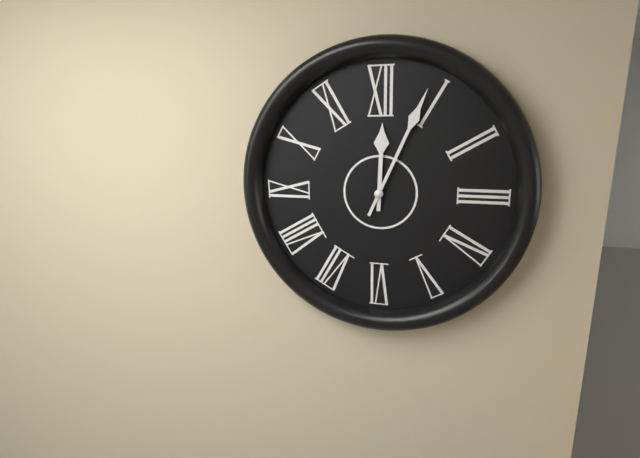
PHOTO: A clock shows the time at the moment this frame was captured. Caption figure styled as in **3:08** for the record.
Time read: **12:04**
